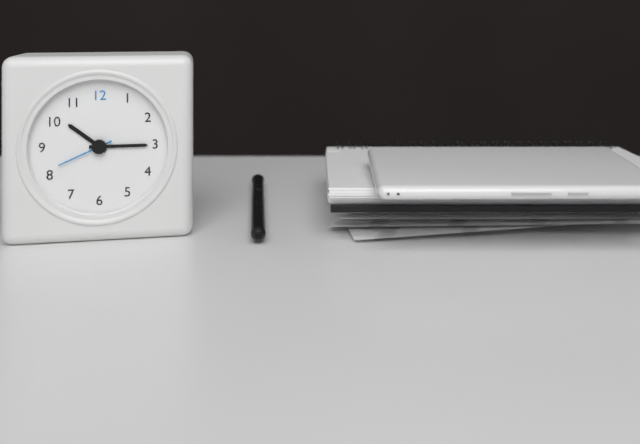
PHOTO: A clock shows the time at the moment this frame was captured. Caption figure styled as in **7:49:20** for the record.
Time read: **10:15:41**
